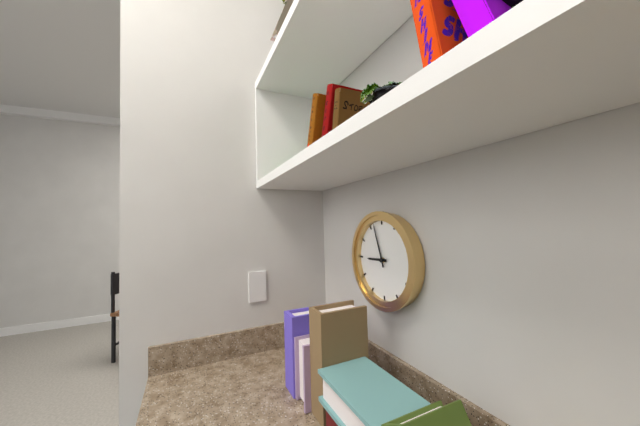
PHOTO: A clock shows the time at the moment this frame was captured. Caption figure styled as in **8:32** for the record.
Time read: **8:57**
